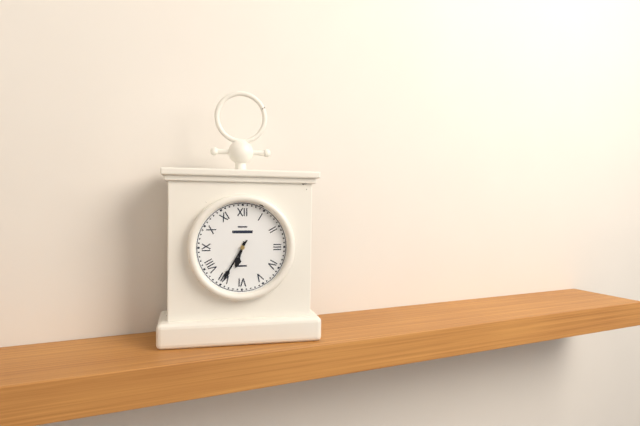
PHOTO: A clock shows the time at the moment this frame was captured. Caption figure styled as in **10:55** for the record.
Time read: **6:35**
